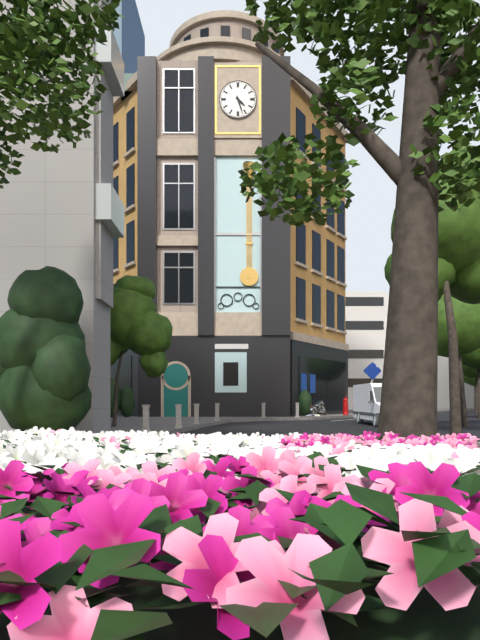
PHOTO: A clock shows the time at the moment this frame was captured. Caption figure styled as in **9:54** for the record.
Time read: **4:27**
